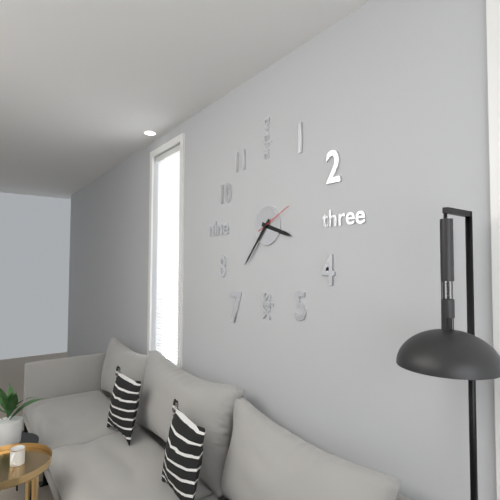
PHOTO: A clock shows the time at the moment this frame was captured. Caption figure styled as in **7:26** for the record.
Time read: **3:37**
